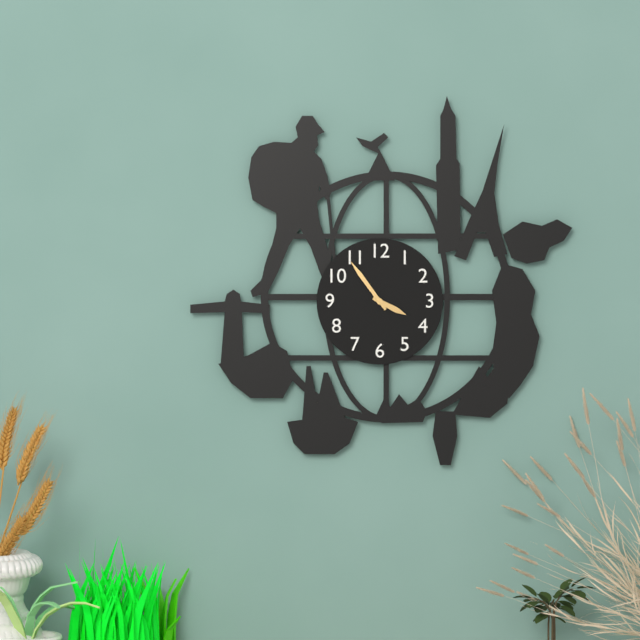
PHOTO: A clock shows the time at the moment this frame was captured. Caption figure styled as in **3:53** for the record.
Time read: **3:54**
